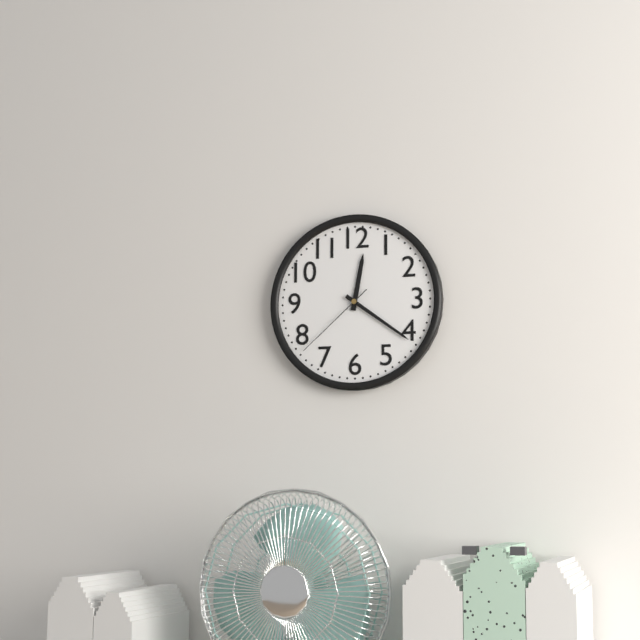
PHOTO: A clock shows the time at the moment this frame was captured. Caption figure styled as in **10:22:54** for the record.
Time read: **12:21:38**
